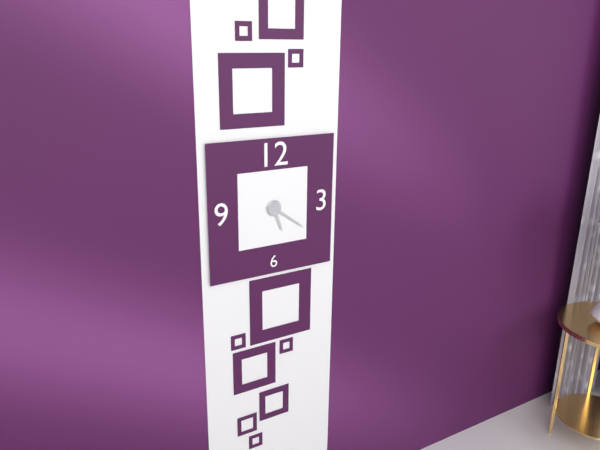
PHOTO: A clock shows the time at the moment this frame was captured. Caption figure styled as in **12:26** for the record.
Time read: **5:21**
